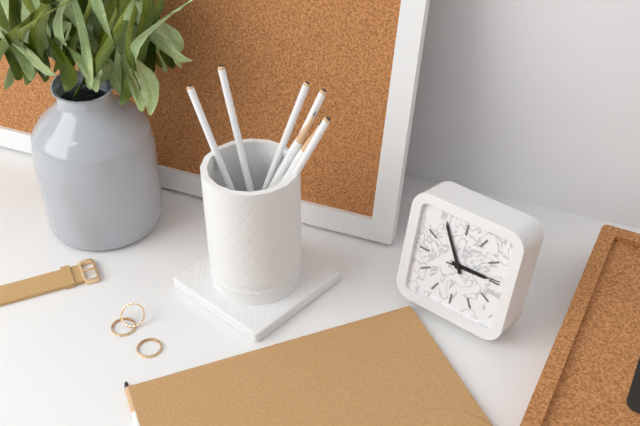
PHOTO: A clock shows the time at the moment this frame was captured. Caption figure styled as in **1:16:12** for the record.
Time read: **2:55:14**
